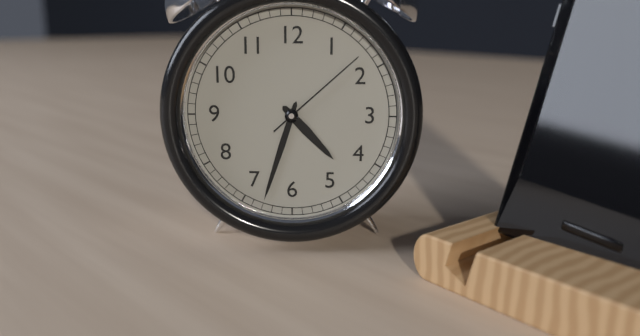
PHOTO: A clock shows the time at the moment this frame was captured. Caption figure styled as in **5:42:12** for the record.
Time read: **4:33:08**
